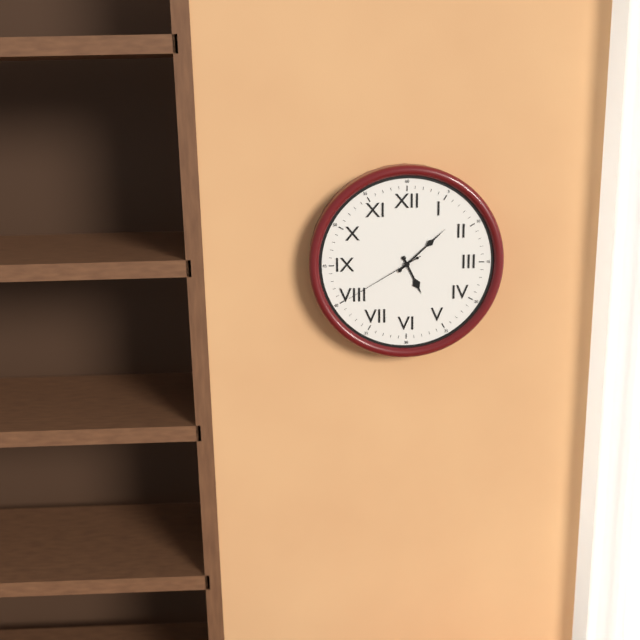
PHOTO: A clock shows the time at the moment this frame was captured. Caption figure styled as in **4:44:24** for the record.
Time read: **5:08:40**
